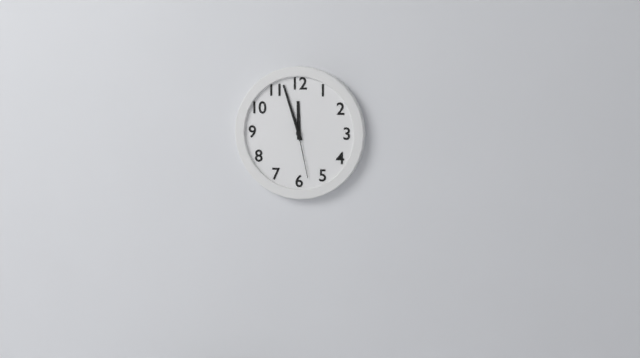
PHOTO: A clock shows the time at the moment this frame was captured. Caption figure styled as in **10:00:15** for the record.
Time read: **11:57:28**
